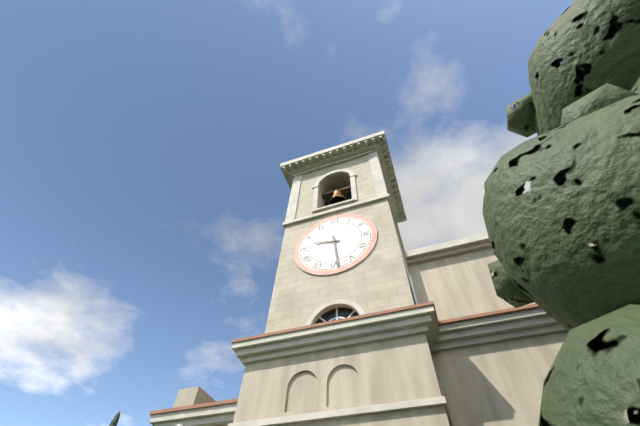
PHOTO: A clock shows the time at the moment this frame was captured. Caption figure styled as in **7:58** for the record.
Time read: **9:29**
